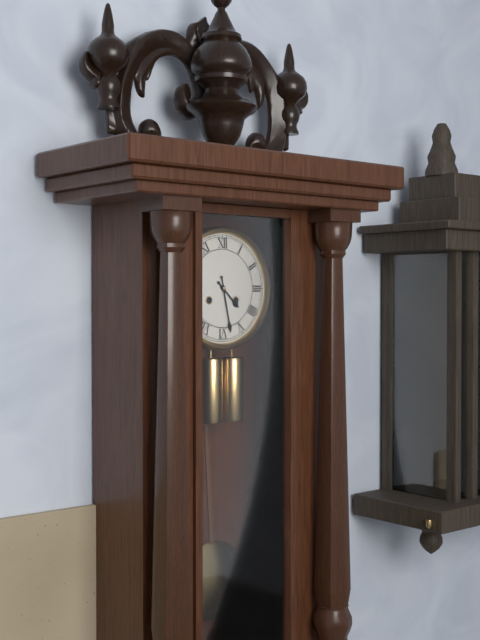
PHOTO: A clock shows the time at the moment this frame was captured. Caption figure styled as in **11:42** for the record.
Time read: **4:28**
